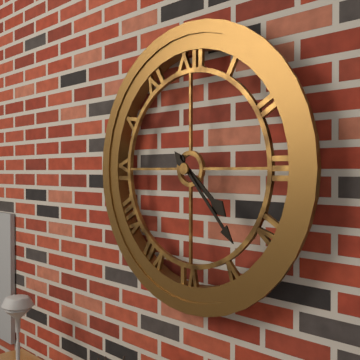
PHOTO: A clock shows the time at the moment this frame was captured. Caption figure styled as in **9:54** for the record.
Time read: **4:23**
